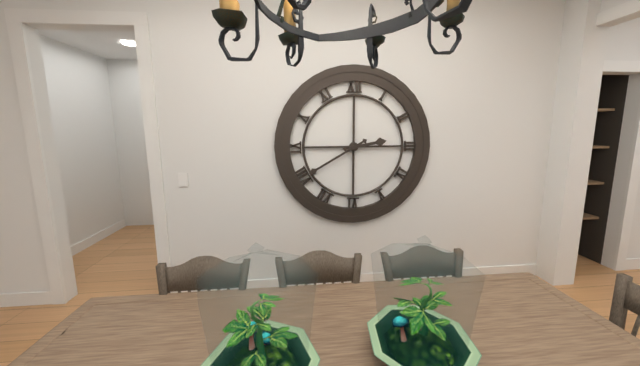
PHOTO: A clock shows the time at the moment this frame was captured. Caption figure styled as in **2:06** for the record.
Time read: **2:40**
